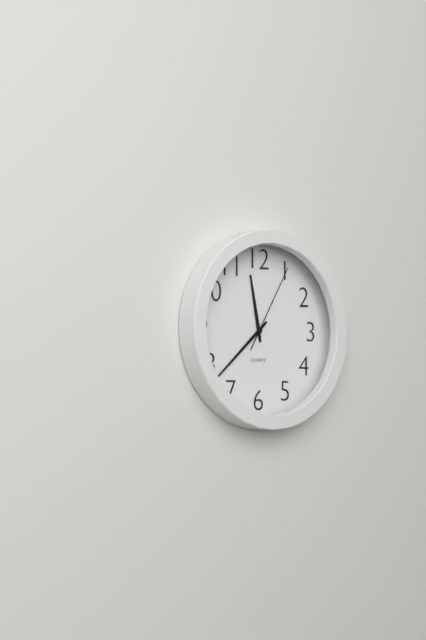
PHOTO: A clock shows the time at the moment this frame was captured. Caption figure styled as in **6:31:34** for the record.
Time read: **11:38:05**
